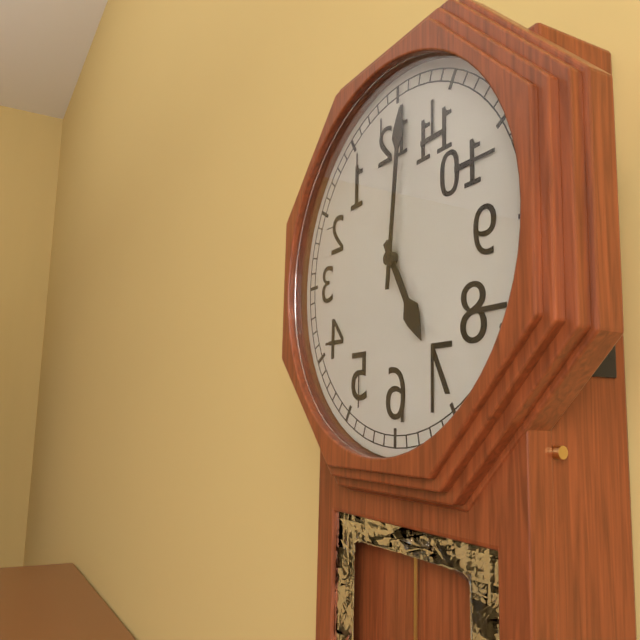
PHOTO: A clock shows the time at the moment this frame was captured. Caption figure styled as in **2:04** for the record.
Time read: **5:01**
